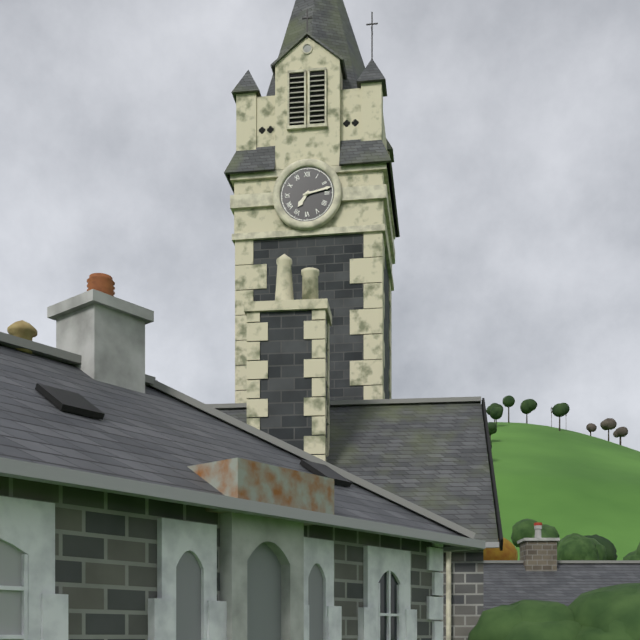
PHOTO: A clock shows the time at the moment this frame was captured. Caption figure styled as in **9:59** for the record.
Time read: **7:13**
